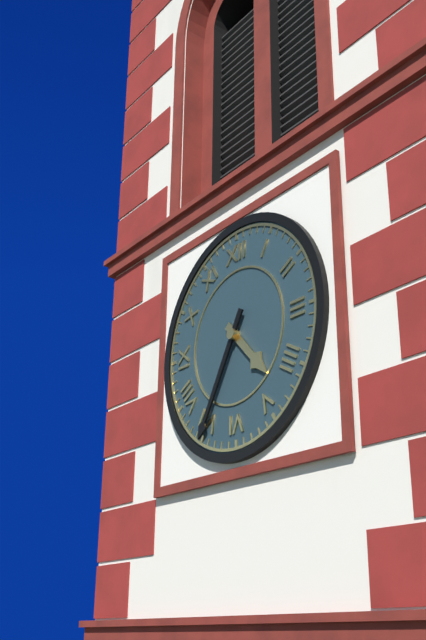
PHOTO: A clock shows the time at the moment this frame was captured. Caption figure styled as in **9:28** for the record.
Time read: **4:35**
